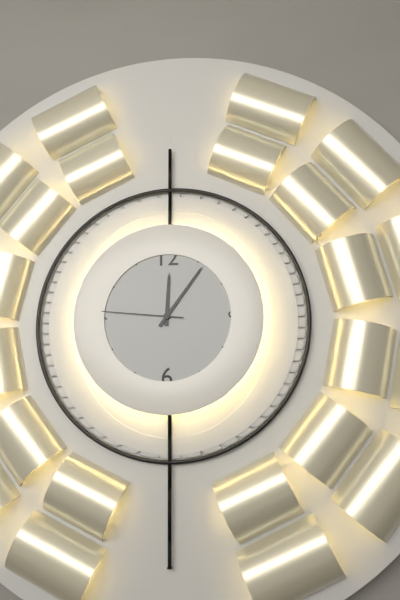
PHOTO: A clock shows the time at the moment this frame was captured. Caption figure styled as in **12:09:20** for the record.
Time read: **12:06:46**
